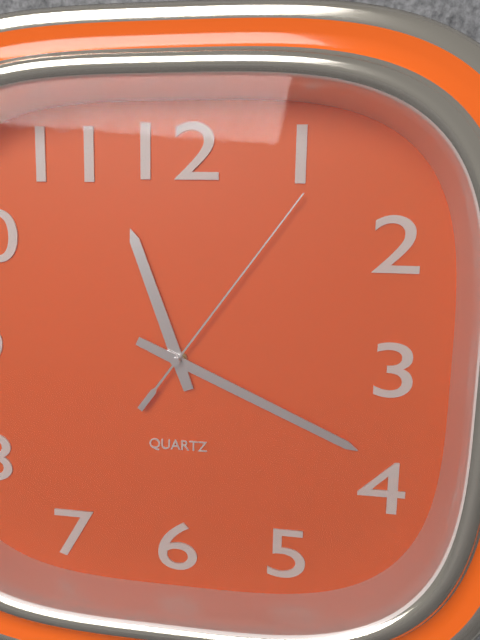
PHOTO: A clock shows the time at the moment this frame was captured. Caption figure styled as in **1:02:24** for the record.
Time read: **11:19:06**
